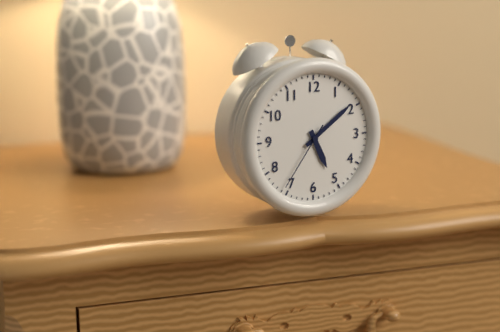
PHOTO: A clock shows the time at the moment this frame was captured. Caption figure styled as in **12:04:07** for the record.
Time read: **5:09:36**
